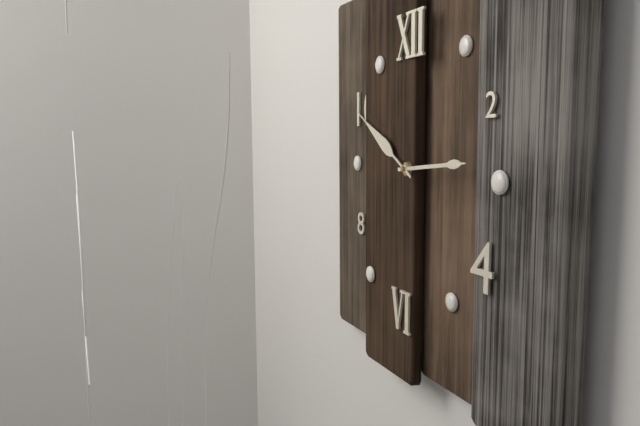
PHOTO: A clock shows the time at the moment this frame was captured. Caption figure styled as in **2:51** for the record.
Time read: **2:50**
